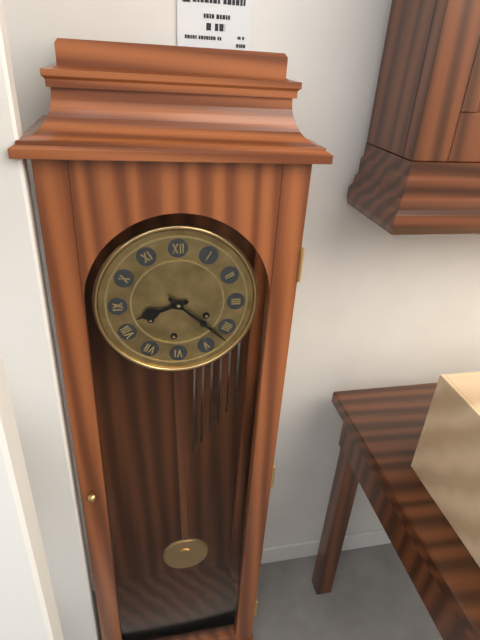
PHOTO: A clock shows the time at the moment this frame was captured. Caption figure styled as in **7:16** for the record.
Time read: **8:22**
